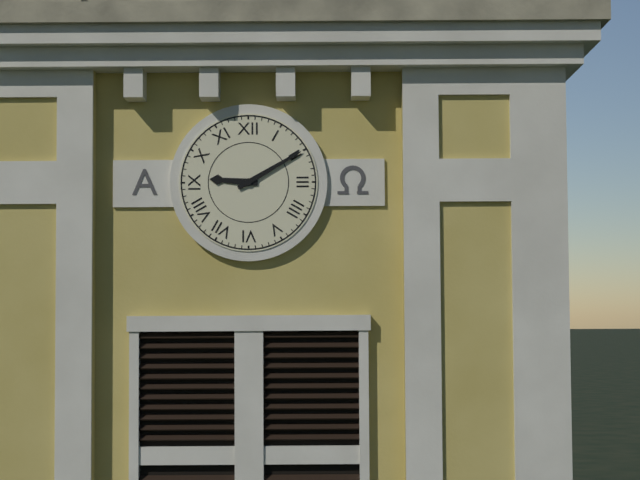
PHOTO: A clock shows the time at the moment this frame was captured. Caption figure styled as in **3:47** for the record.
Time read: **9:10**
